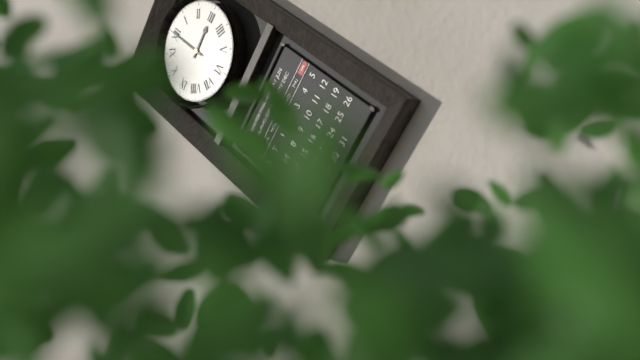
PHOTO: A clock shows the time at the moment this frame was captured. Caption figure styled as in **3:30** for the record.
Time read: **3:00**
